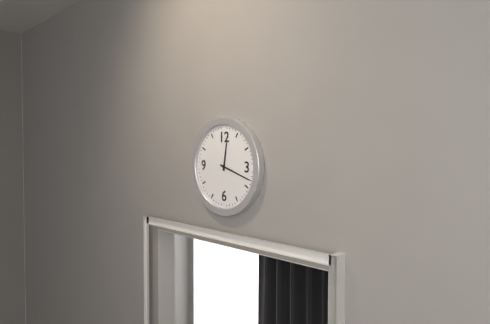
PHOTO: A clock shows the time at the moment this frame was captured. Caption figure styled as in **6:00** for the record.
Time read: **12:18**
